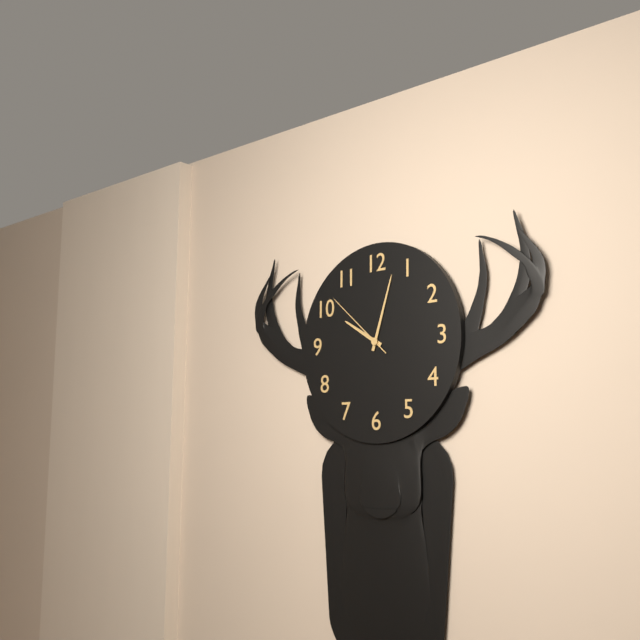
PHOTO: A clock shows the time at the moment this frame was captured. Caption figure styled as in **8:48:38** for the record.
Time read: **10:03:52**
